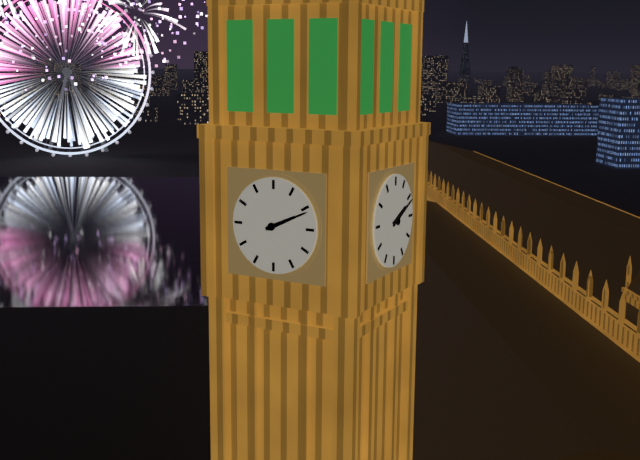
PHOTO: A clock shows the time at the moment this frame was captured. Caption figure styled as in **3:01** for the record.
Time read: **2:11**
